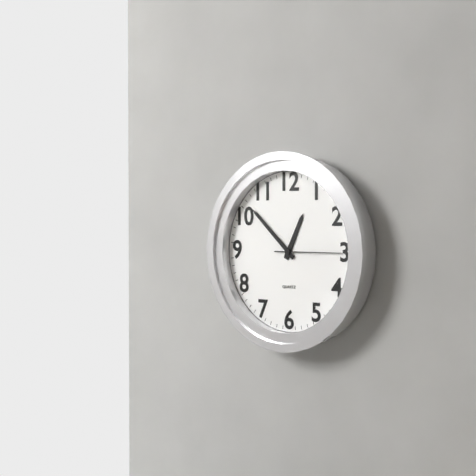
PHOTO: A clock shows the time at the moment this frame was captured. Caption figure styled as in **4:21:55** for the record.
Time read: **12:52:15**
